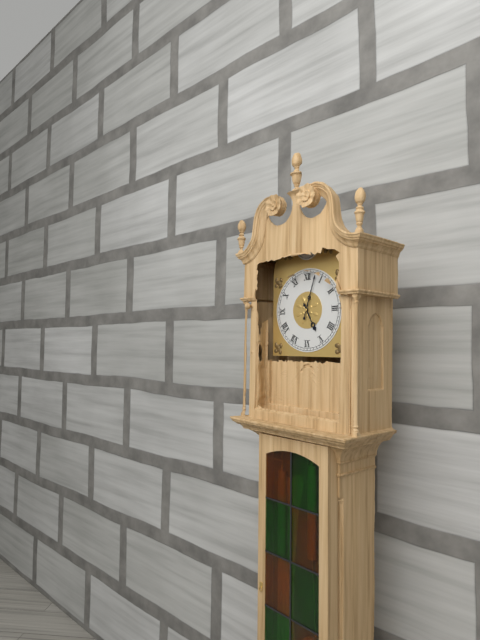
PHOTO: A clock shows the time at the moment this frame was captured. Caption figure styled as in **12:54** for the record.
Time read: **5:03**
